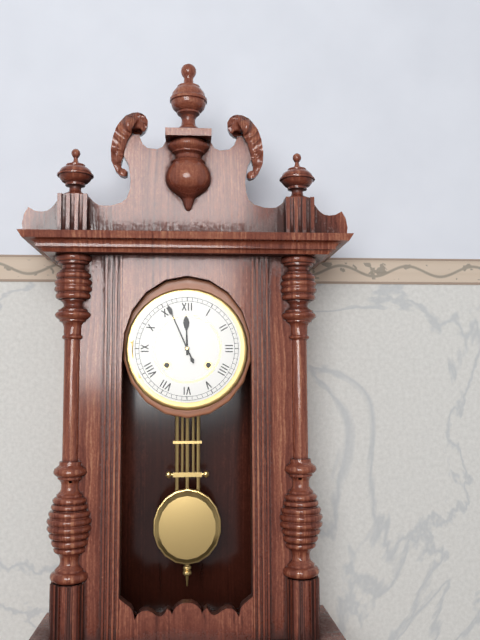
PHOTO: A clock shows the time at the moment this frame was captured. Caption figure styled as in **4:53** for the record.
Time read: **11:56**
